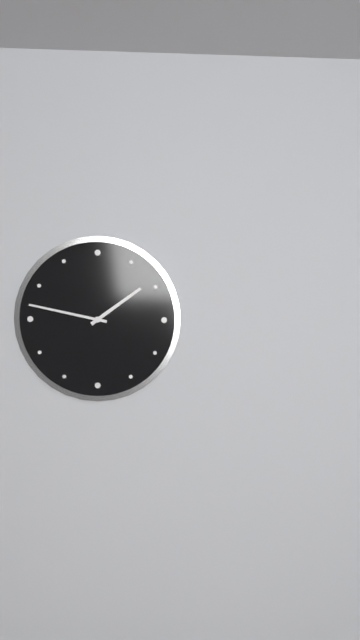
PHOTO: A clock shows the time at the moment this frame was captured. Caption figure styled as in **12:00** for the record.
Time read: **1:47**
